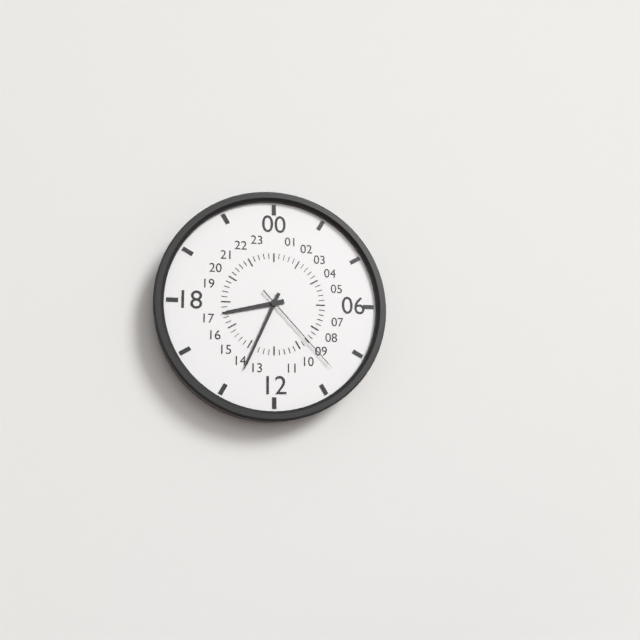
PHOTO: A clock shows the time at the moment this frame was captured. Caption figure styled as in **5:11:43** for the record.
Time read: **8:34:23**
